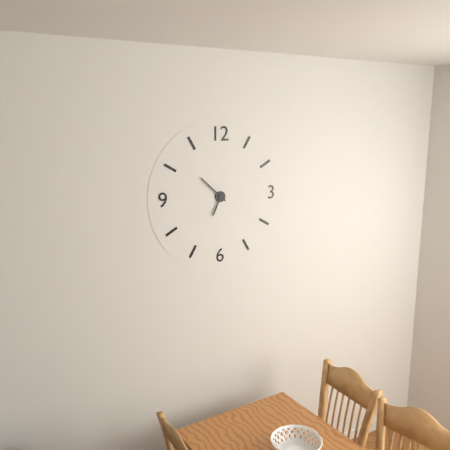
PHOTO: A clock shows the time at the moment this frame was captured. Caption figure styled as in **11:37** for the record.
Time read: **6:52**
